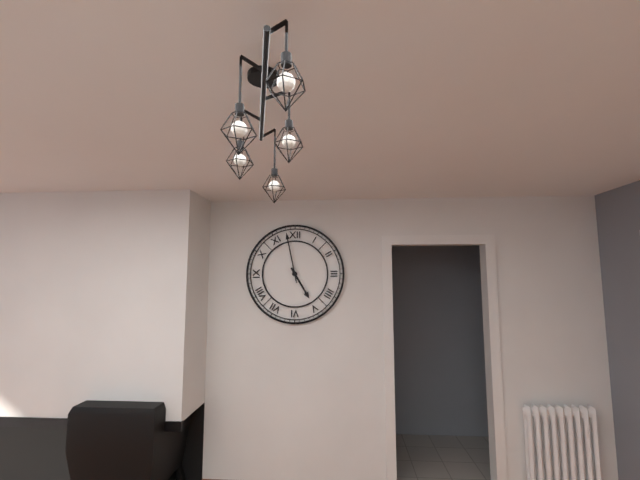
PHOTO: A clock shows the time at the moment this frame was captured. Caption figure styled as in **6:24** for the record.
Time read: **4:58**
